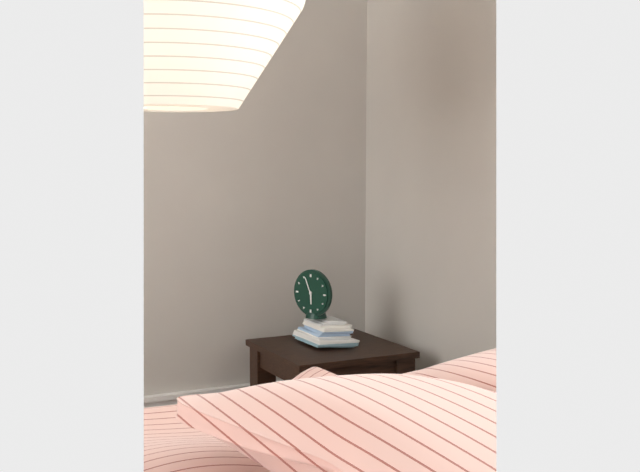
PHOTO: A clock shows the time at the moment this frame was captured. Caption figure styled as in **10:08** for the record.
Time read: **5:56**
